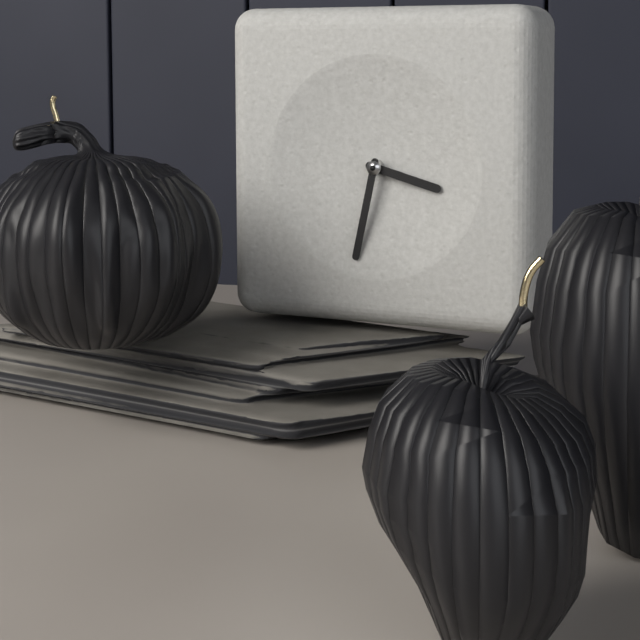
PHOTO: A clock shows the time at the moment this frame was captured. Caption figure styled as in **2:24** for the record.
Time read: **3:32**
